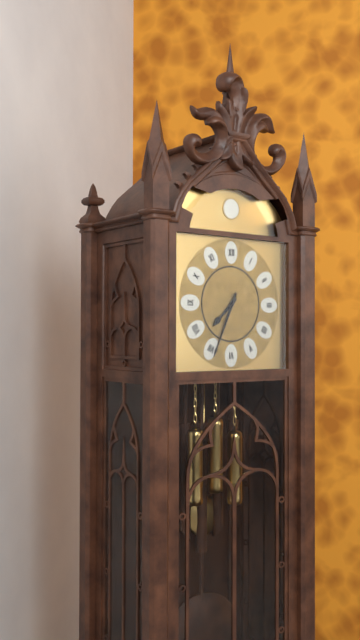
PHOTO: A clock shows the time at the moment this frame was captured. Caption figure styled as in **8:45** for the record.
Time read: **7:34**
